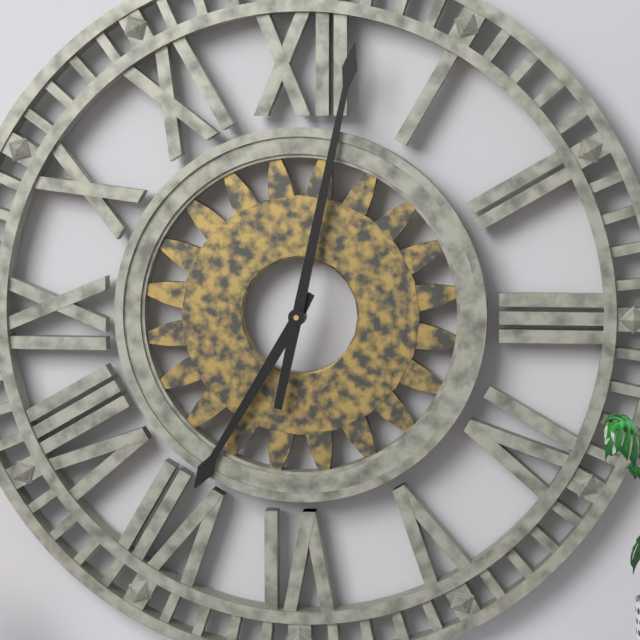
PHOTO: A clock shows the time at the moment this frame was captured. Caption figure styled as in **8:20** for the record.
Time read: **7:02**
